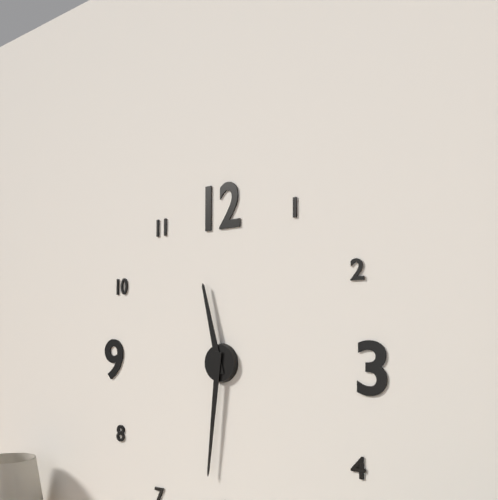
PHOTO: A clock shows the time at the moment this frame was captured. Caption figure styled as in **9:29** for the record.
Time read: **11:31**
